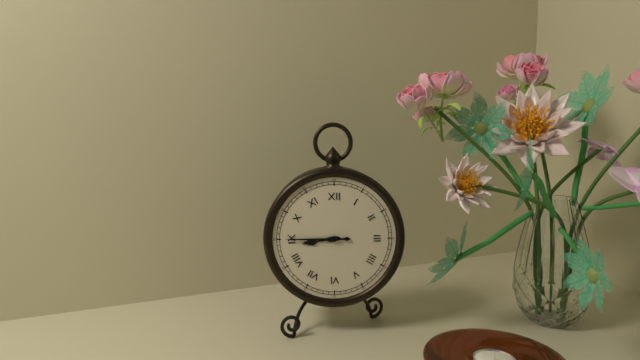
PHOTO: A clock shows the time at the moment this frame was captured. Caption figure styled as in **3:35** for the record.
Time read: **8:45**
